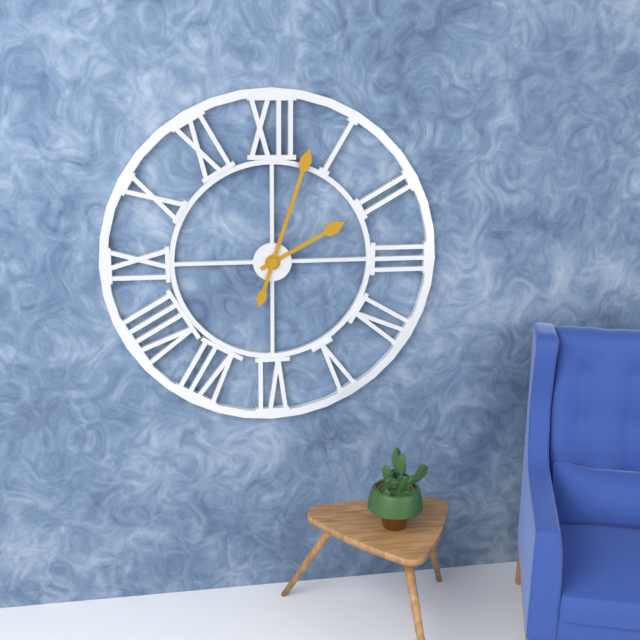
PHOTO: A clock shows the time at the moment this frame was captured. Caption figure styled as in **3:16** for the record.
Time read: **2:03**
